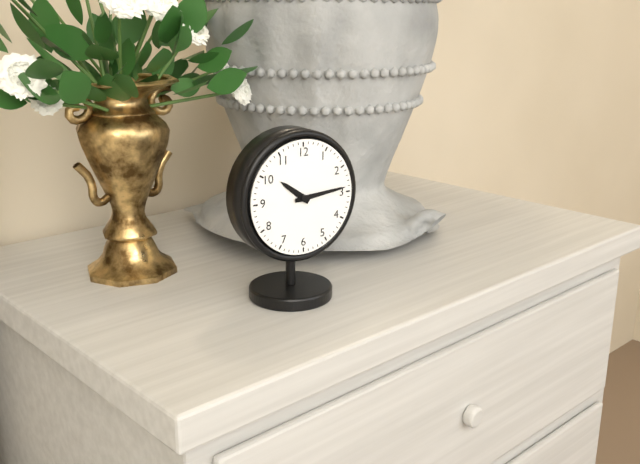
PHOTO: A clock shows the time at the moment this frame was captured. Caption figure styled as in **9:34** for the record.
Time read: **10:14**
